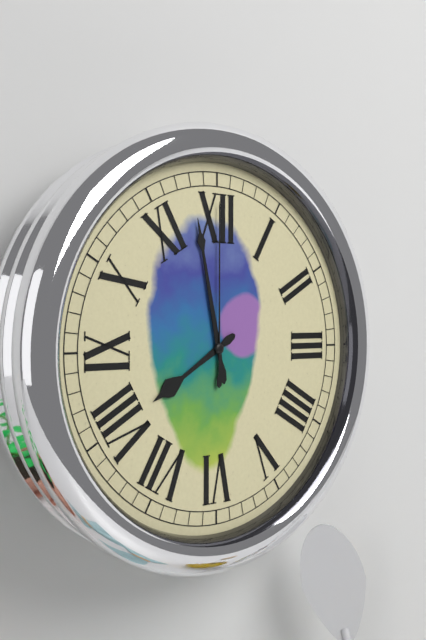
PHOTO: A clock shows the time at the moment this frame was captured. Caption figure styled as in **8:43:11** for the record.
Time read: **7:58:00**
